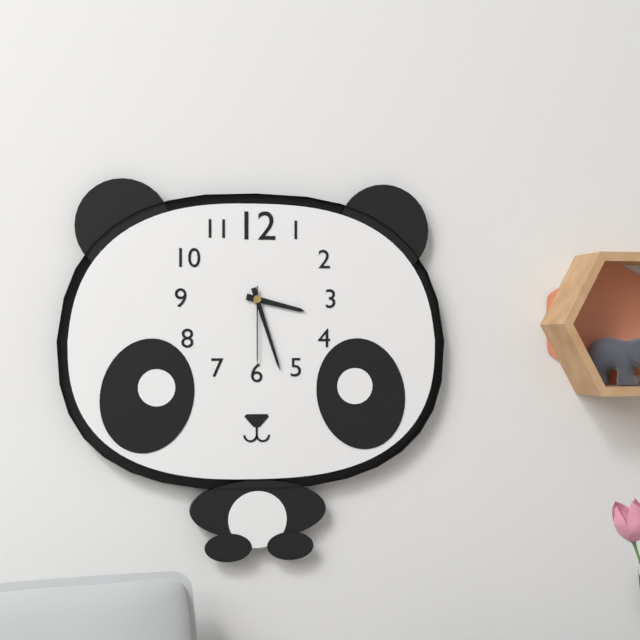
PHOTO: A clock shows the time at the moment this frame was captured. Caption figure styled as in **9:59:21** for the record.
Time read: **3:27:30**
